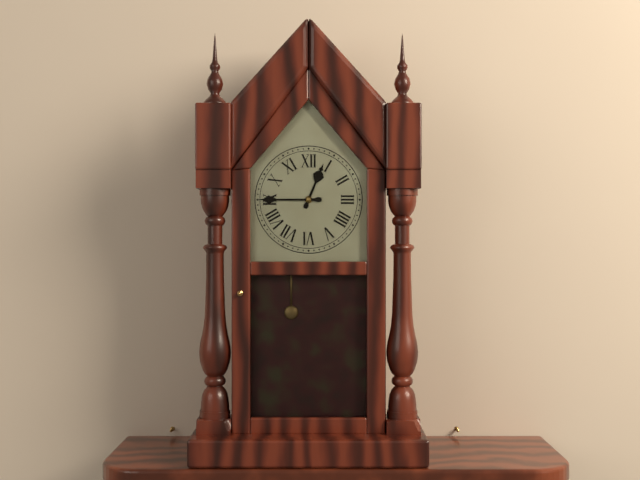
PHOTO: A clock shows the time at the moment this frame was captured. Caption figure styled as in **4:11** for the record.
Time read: **12:45**
